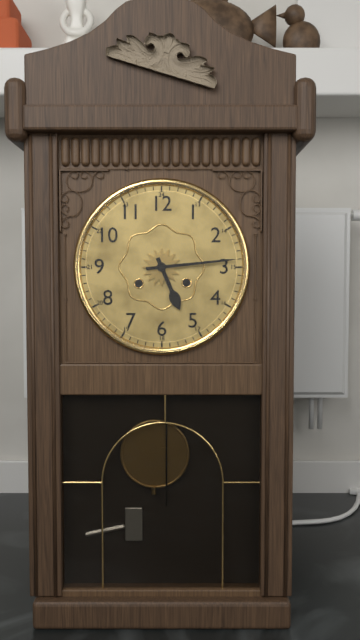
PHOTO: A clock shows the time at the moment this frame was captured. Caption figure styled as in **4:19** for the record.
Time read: **5:14**
